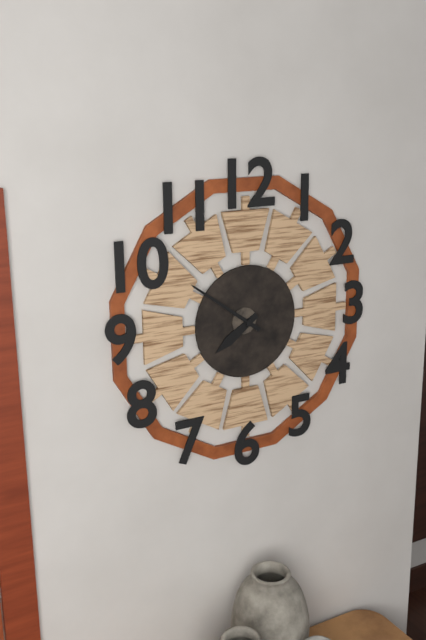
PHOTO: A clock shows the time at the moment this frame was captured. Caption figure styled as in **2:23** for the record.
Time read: **7:51**
